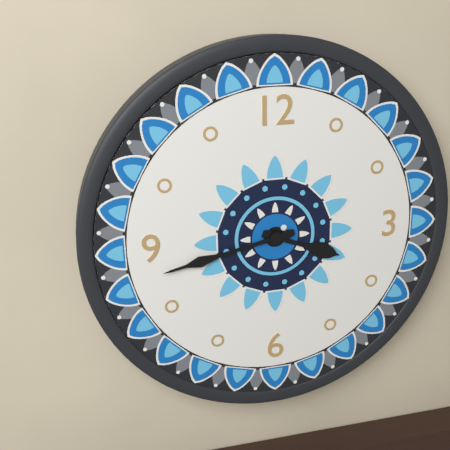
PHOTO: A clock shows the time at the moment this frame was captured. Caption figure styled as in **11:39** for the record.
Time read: **3:43**
